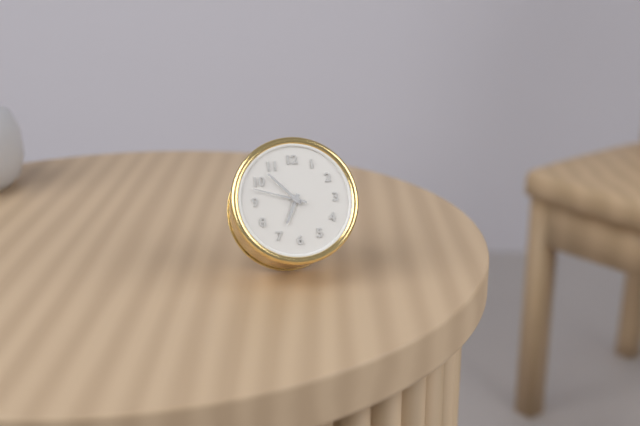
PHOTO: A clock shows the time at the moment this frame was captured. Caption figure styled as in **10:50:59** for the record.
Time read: **6:53:48**
